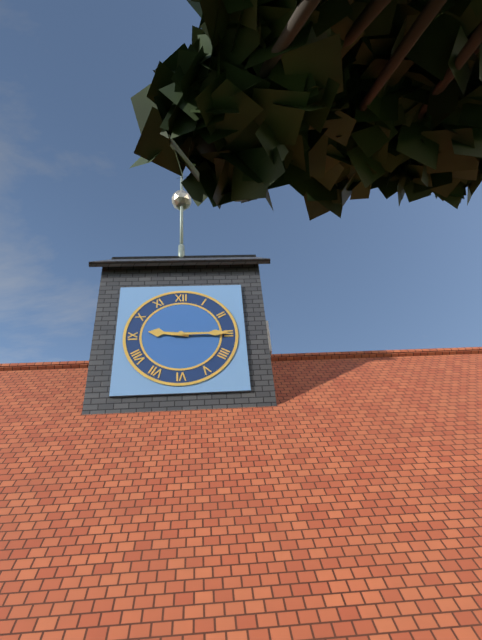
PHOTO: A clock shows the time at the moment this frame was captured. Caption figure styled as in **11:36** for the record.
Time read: **9:15**
